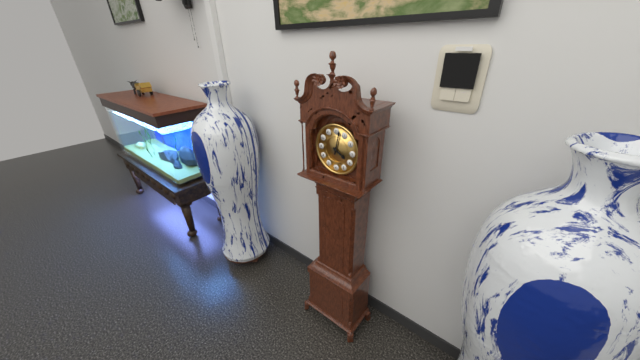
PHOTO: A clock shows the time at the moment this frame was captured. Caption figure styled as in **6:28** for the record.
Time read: **4:02**
